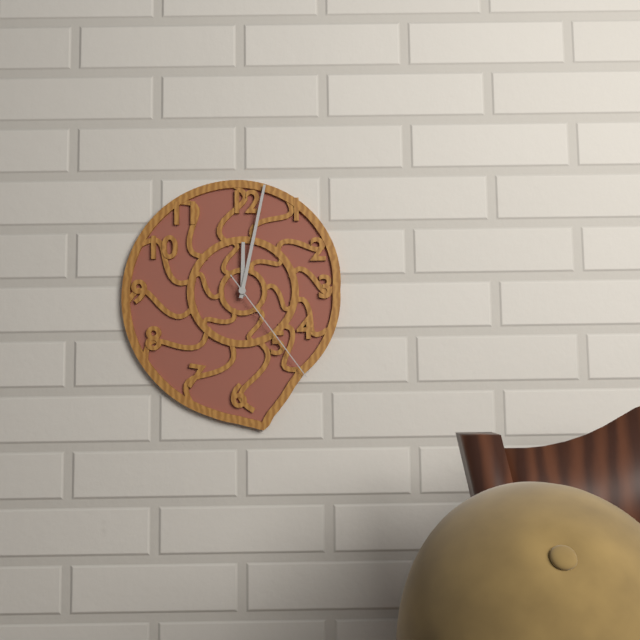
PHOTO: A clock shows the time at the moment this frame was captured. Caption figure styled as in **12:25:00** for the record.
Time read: **12:02:24**
